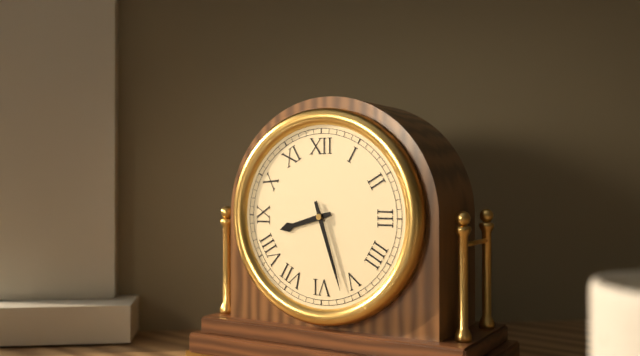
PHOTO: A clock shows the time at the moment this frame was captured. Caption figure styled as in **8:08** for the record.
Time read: **8:27**
